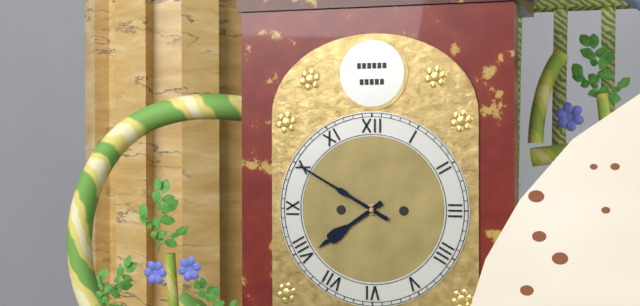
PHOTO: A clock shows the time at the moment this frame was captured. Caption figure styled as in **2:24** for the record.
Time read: **7:50**
